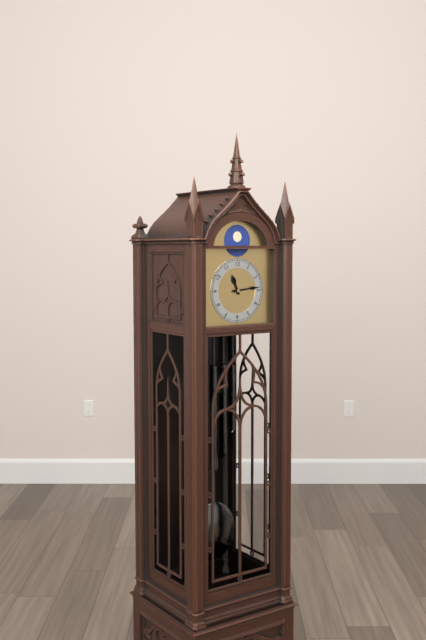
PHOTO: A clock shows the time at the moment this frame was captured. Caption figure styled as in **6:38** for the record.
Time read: **11:14**
